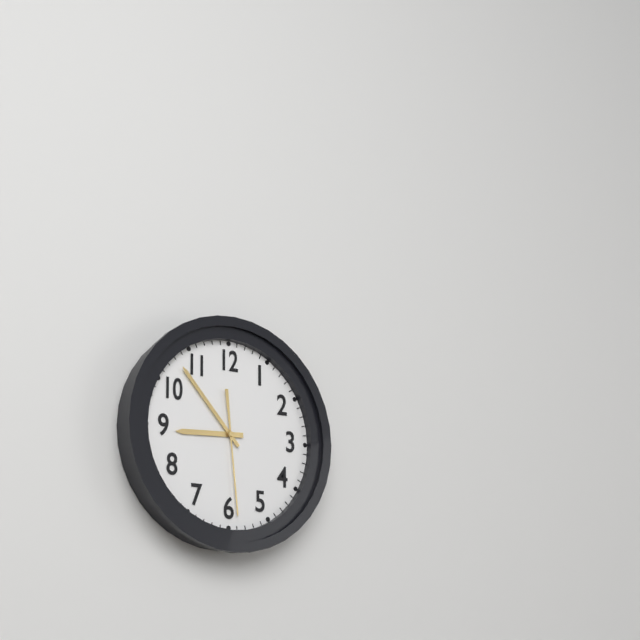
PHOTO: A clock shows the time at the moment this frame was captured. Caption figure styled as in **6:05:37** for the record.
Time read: **8:53:29**
